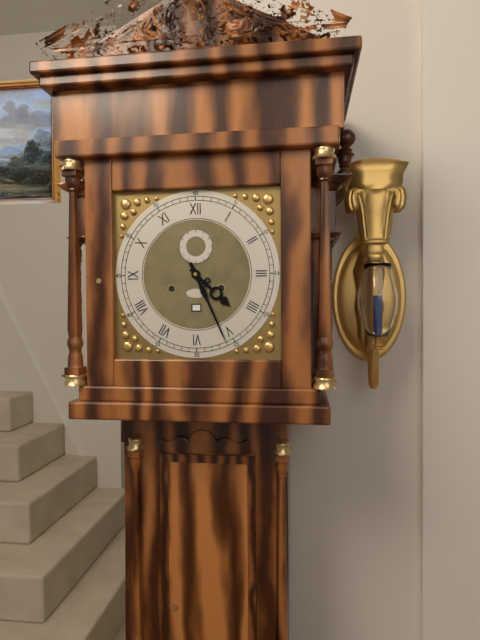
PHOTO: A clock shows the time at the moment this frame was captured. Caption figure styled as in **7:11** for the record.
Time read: **4:26**
